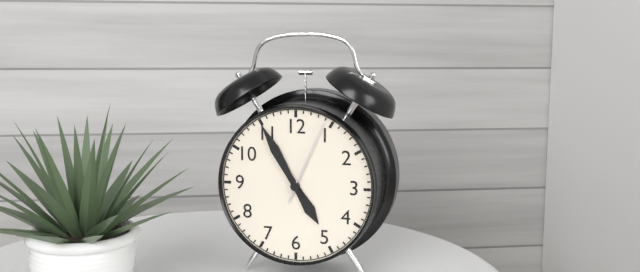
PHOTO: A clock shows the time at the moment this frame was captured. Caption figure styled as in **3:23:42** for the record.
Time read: **4:55:04**
